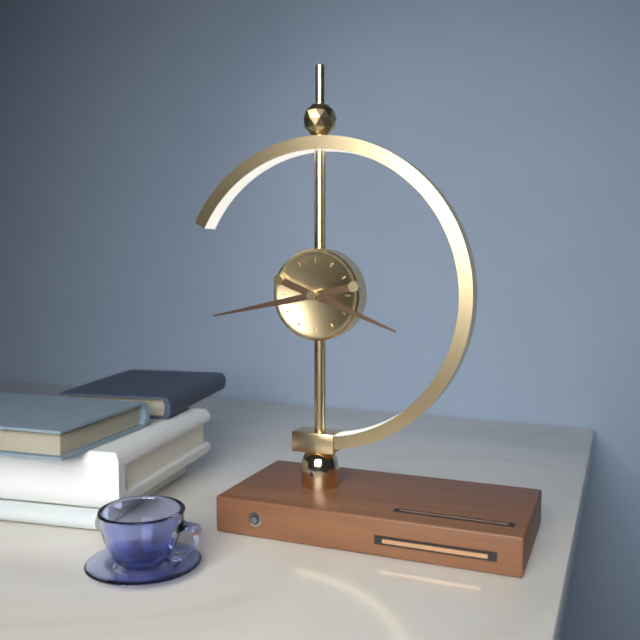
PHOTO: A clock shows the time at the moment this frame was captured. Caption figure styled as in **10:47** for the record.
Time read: **3:43**
